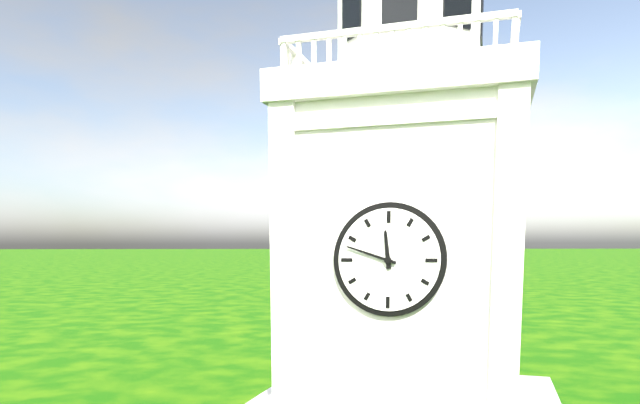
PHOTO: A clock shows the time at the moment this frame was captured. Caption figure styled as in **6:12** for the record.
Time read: **11:48**
